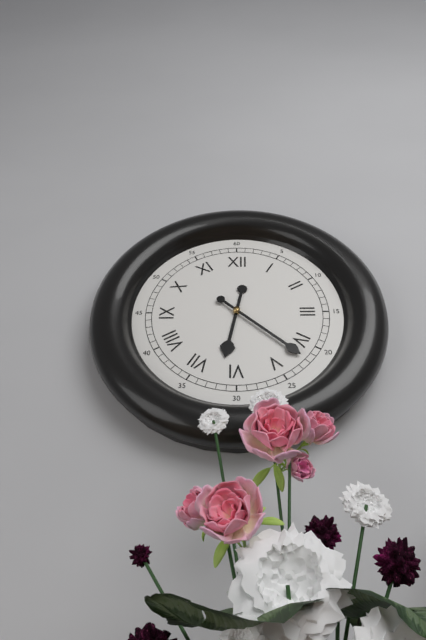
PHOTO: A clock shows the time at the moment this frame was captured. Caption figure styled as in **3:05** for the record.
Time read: **6:22**
